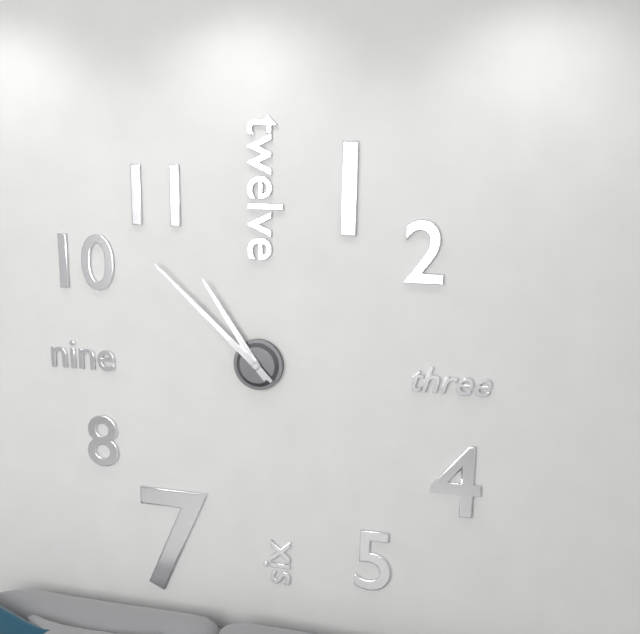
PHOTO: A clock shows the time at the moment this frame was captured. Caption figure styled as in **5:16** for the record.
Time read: **10:52**
